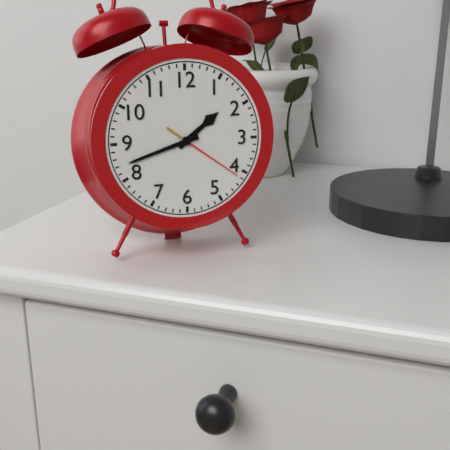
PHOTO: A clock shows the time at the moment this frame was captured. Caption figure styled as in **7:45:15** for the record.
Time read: **1:42:21**
